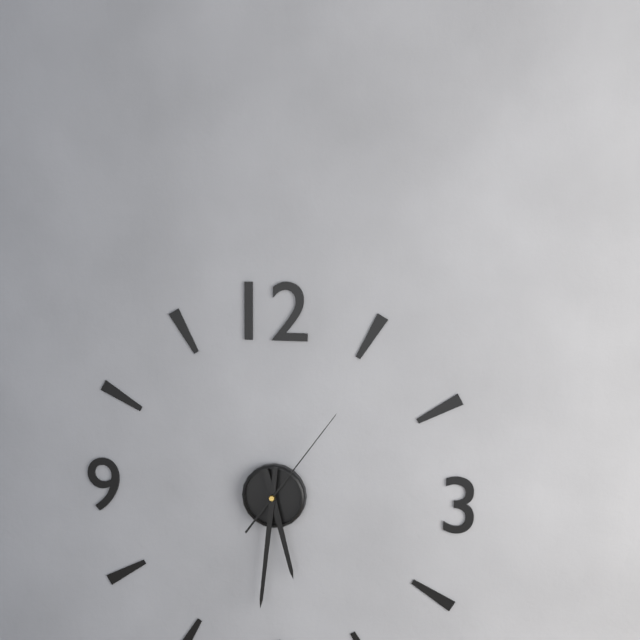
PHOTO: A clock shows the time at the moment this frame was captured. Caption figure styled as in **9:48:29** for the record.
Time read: **5:31:06**
